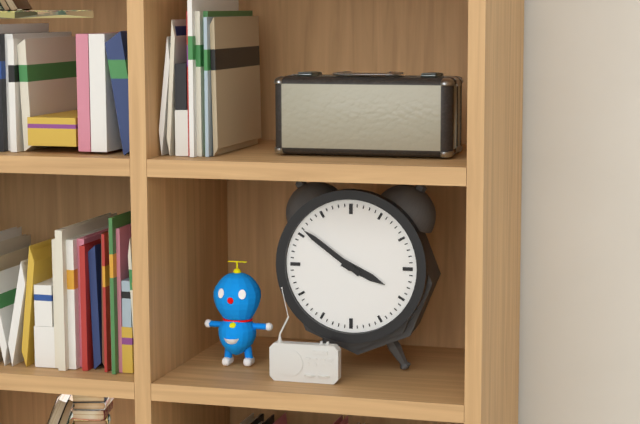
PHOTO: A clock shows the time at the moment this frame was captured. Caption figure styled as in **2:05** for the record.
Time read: **3:51**
